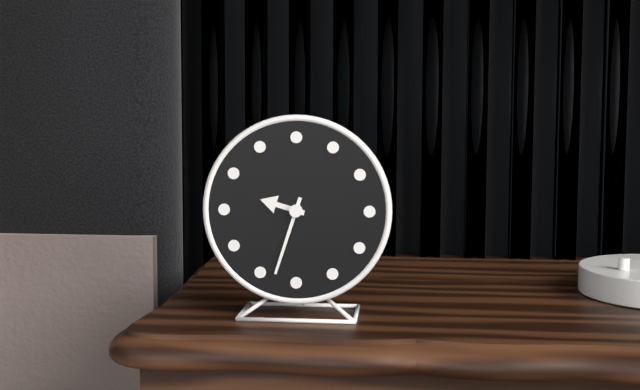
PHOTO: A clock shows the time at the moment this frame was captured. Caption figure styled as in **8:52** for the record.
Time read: **9:33**
